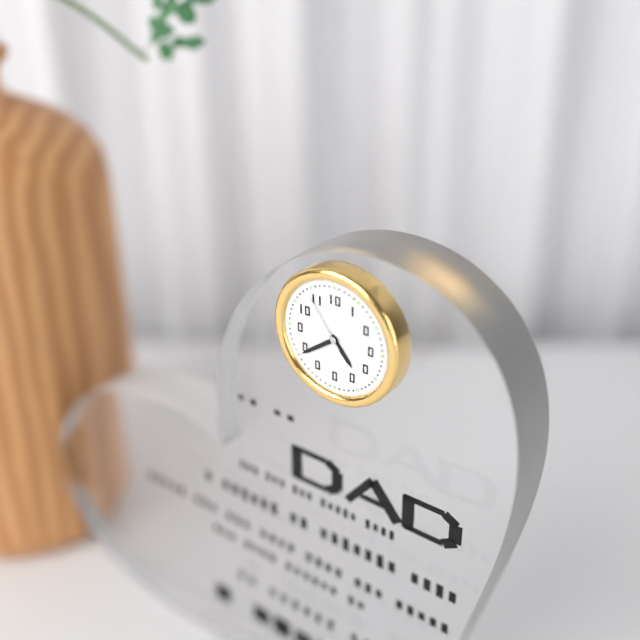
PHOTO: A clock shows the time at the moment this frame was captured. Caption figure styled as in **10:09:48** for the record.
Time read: **4:39:54**
